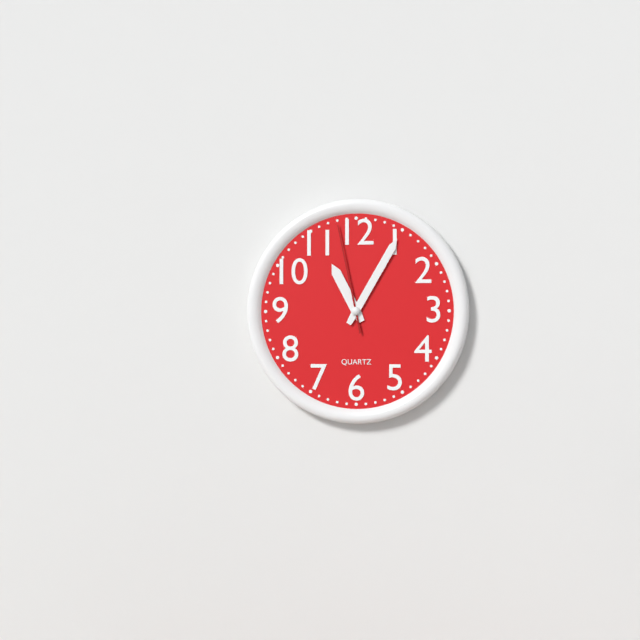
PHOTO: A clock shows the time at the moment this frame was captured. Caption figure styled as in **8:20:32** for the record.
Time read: **11:05:58**
